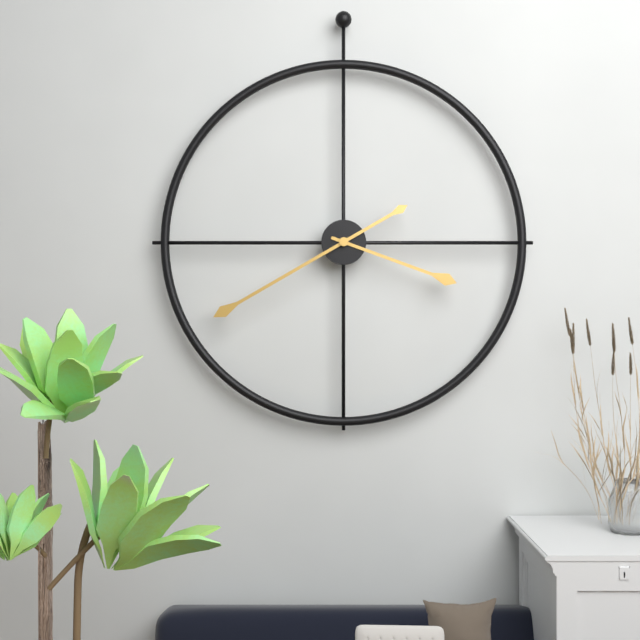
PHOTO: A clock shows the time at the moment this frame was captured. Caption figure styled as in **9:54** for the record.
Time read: **3:40**
